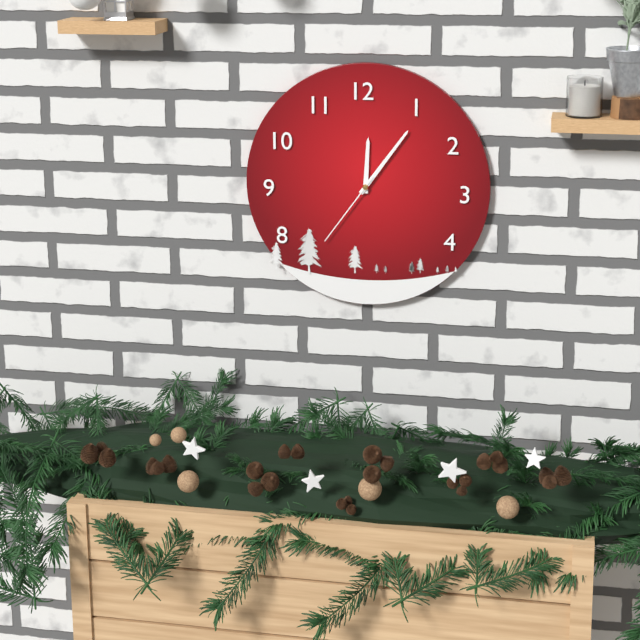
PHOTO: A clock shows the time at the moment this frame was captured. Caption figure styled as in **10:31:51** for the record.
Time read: **12:06:36**
